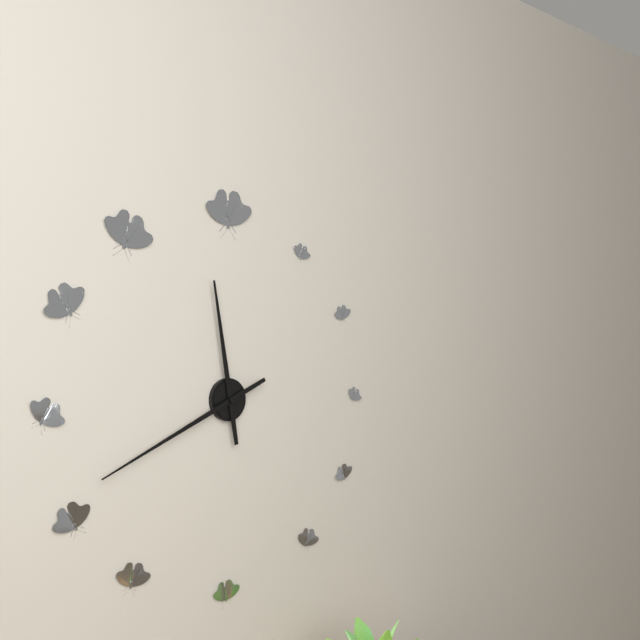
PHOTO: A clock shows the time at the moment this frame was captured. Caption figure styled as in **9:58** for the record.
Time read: **11:41**
